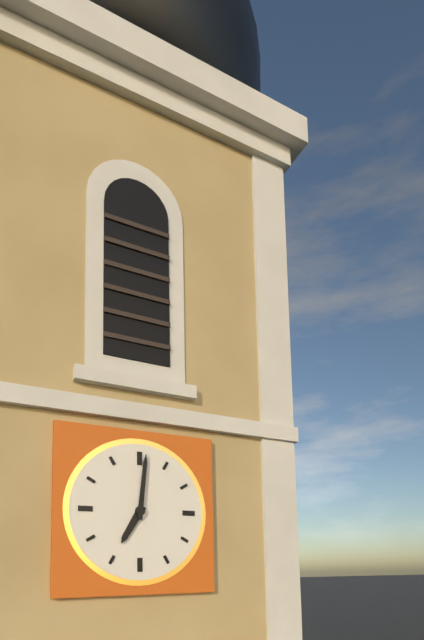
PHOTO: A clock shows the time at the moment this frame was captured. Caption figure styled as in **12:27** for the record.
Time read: **7:01**
